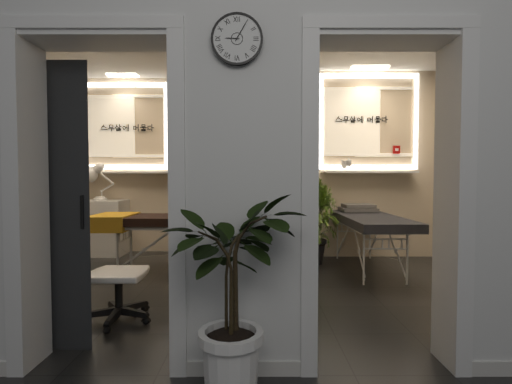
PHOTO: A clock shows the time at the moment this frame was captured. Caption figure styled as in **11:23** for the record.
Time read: **9:05**
